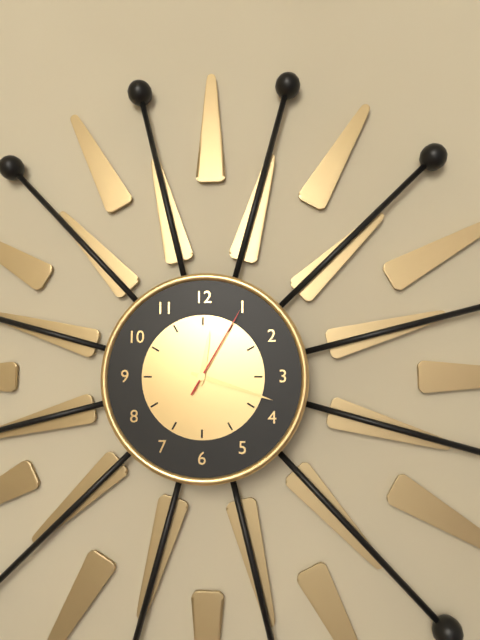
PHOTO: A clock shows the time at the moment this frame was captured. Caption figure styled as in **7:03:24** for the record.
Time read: **12:18:05**
